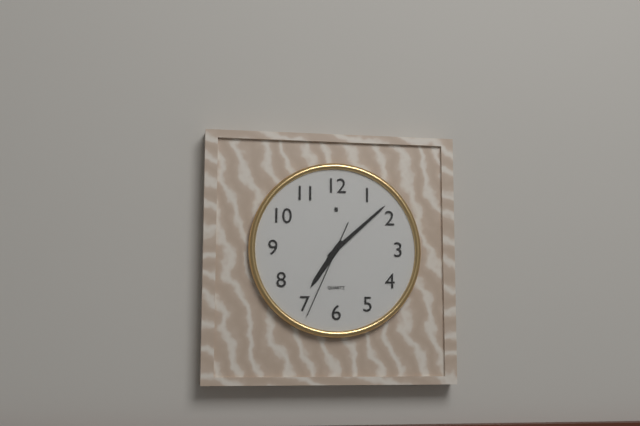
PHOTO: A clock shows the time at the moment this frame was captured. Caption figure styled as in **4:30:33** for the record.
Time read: **7:08:34**
